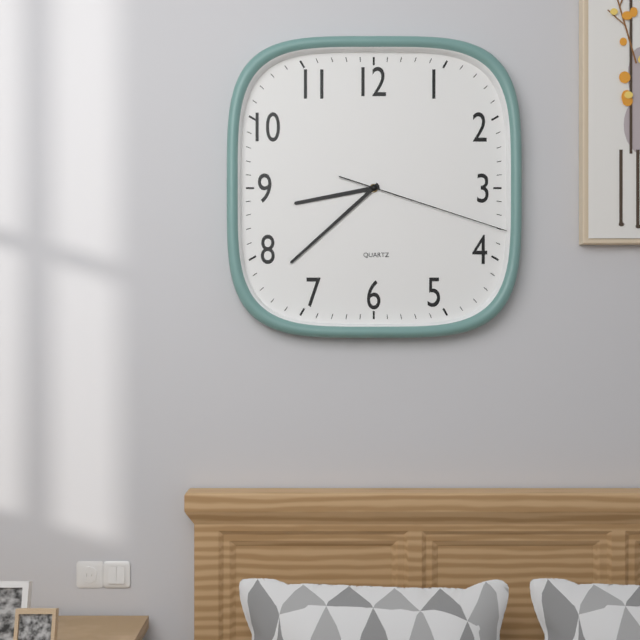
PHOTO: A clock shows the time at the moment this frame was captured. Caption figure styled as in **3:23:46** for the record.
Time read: **8:38:18**
